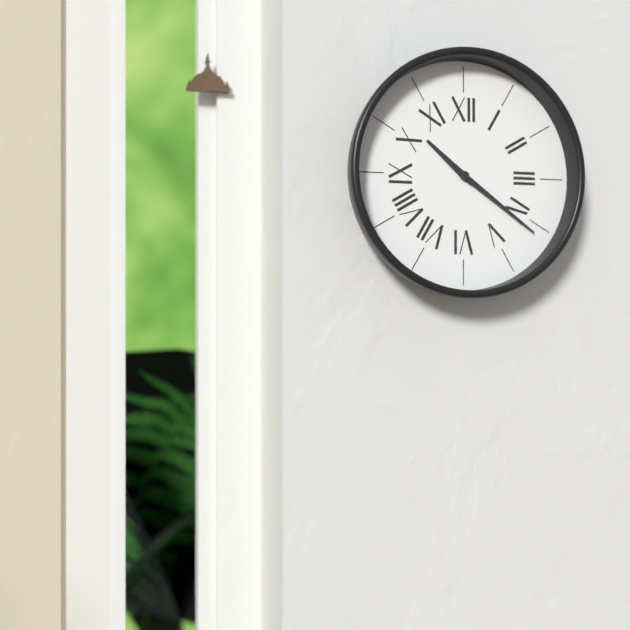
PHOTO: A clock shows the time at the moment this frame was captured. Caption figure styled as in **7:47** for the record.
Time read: **10:21**
